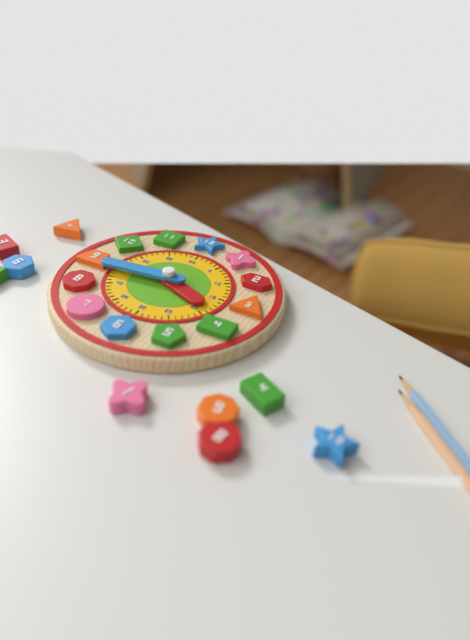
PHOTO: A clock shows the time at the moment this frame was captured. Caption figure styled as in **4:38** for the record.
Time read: **3:44**
